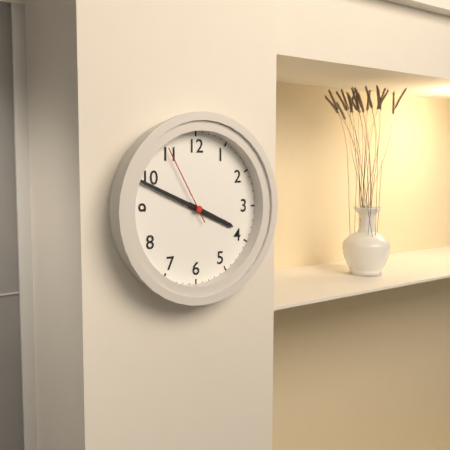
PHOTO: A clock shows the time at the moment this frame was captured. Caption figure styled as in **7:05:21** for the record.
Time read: **3:49:55**
